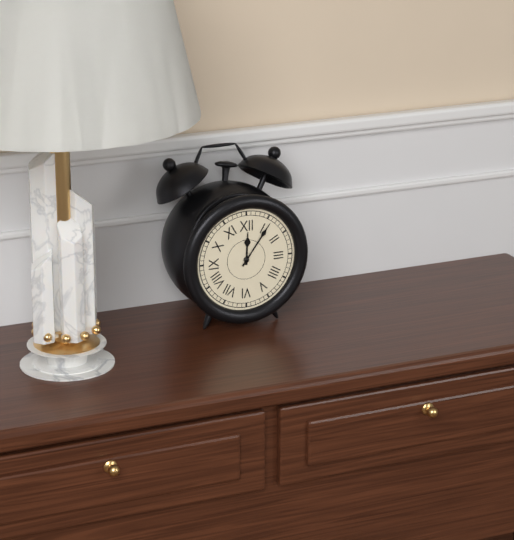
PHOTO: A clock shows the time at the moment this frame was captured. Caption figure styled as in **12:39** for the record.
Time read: **12:06**
